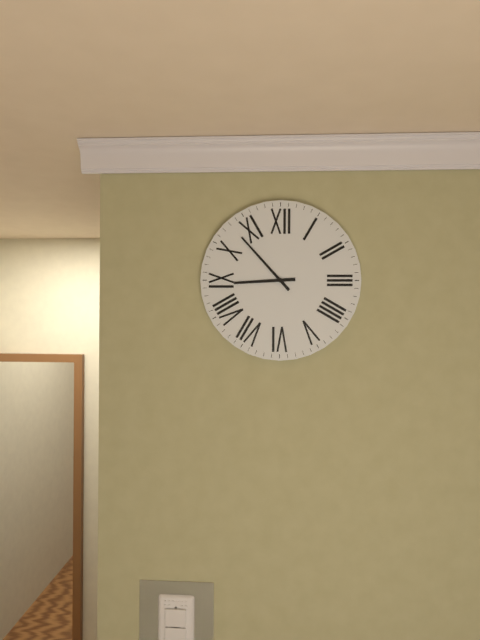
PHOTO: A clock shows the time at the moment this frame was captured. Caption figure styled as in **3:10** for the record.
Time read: **8:53**
